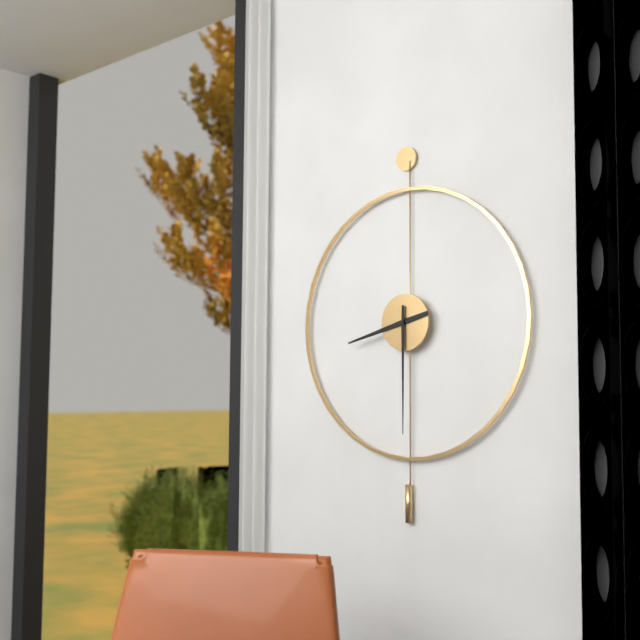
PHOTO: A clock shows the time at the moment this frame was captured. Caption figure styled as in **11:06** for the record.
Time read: **8:30**
